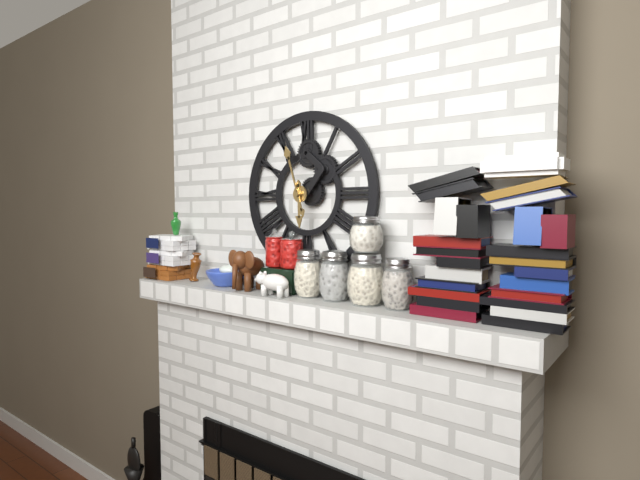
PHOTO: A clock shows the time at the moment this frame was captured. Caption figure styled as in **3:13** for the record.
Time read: **5:57**
